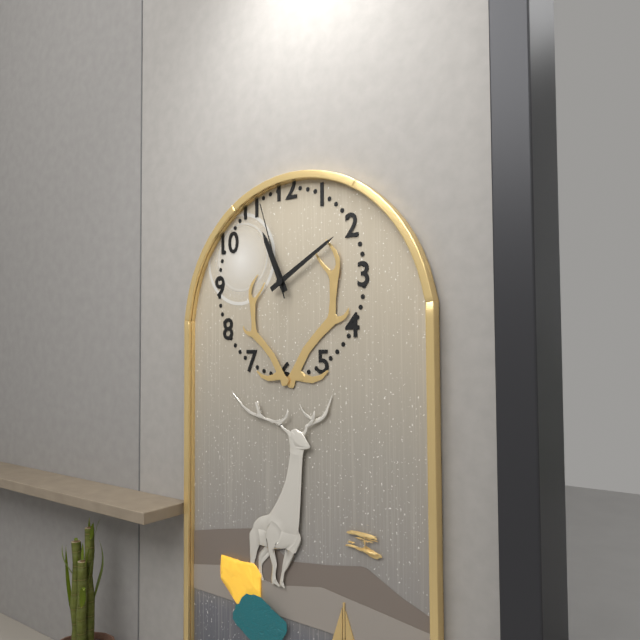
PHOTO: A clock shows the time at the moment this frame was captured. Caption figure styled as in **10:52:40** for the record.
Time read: **11:10:57**
